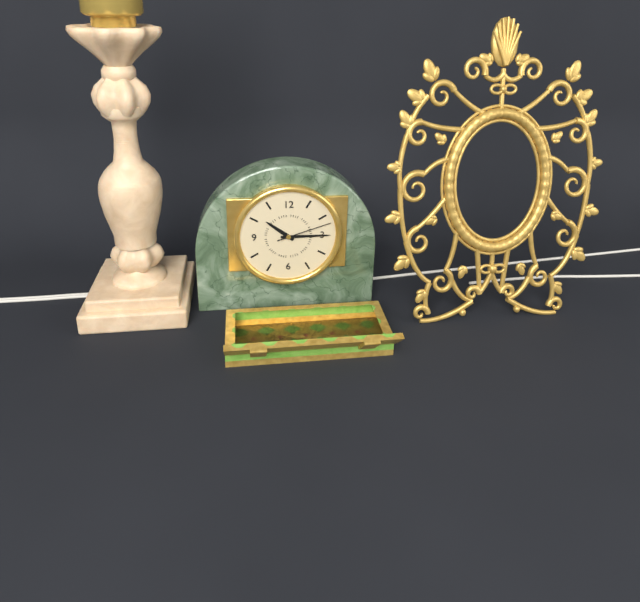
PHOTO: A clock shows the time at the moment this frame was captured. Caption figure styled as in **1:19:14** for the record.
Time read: **10:15:12**
